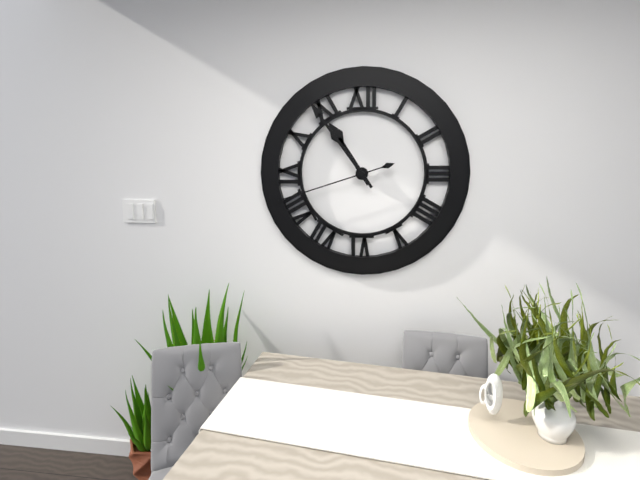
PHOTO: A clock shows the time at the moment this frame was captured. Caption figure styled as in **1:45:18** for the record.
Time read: **10:54:42**
